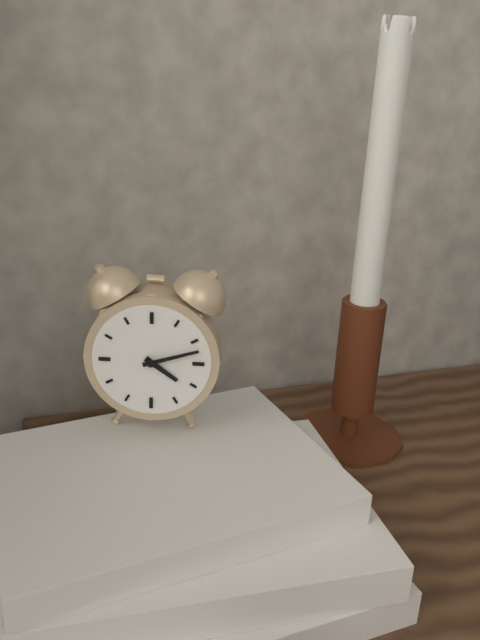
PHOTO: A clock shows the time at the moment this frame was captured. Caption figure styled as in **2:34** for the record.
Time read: **4:12**
